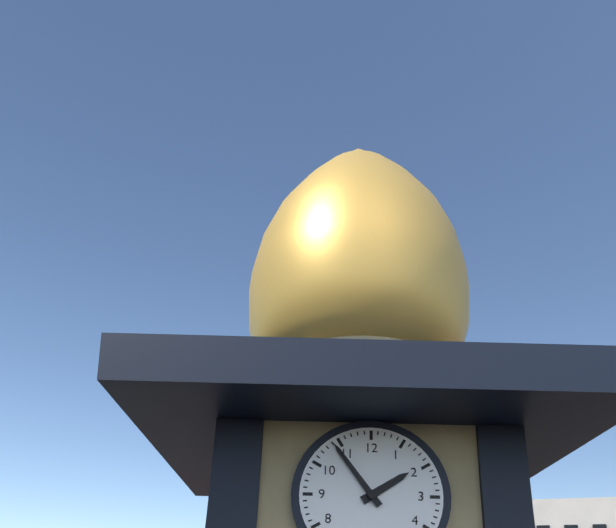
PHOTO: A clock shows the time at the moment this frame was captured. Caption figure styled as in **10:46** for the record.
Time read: **1:54**
